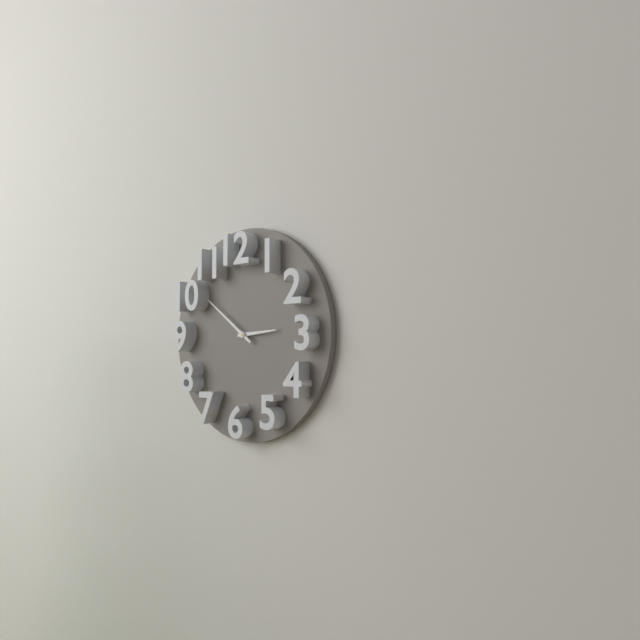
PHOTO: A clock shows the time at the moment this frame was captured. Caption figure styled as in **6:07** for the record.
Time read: **2:51**
